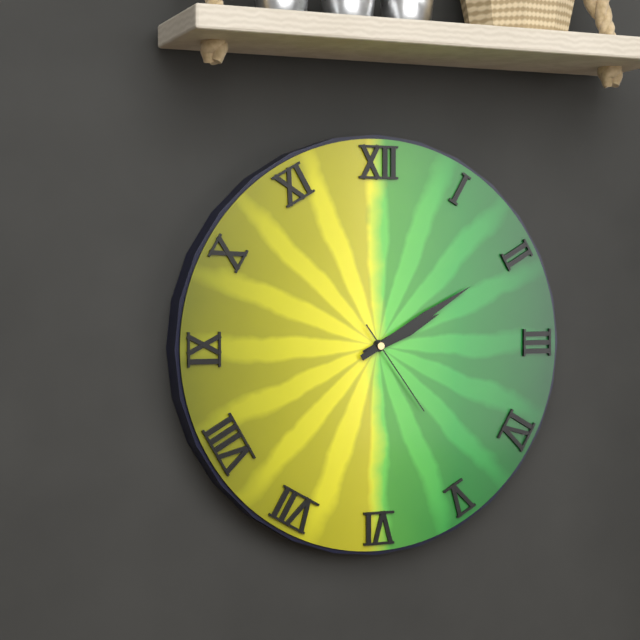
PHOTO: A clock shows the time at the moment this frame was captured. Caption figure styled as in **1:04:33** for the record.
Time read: **2:10:24**
